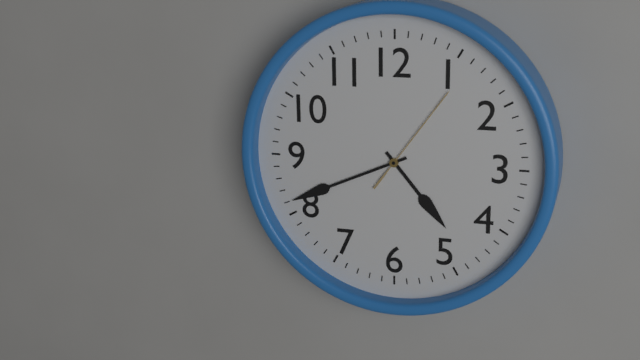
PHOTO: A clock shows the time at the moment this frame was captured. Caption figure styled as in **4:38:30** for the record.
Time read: **4:41:06**
